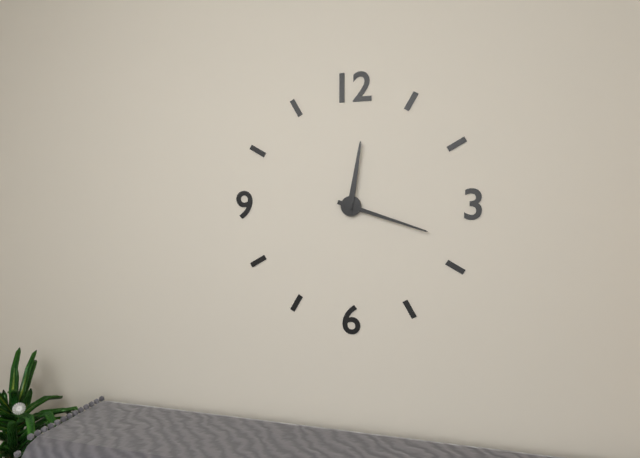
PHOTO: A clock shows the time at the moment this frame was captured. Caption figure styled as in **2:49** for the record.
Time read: **12:18**
